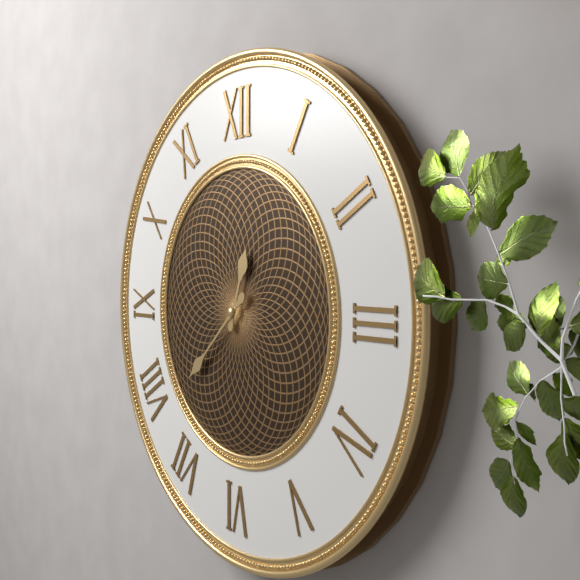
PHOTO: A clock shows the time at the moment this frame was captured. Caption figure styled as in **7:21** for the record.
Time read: **12:38**
